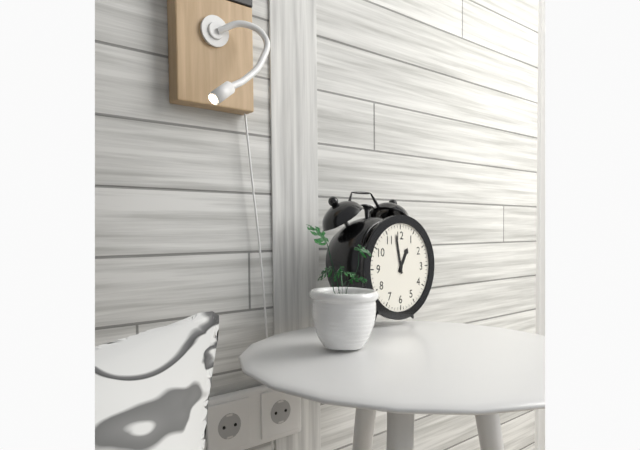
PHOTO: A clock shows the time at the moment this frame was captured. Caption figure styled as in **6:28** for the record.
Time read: **12:58**
